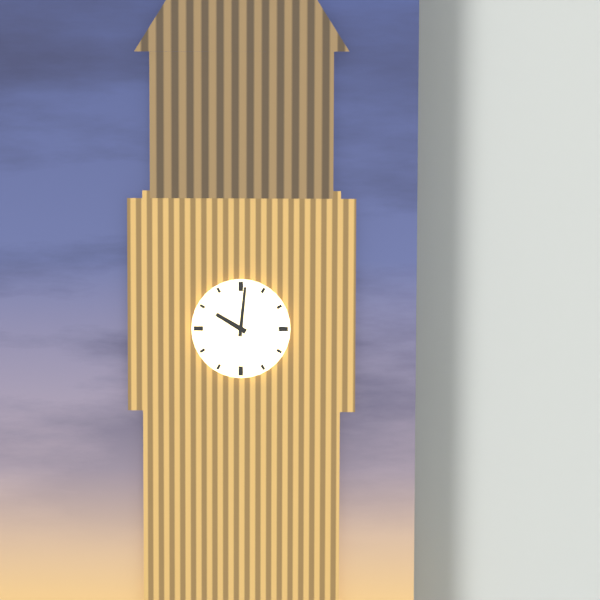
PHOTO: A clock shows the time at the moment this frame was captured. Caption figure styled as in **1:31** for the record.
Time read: **10:01**
